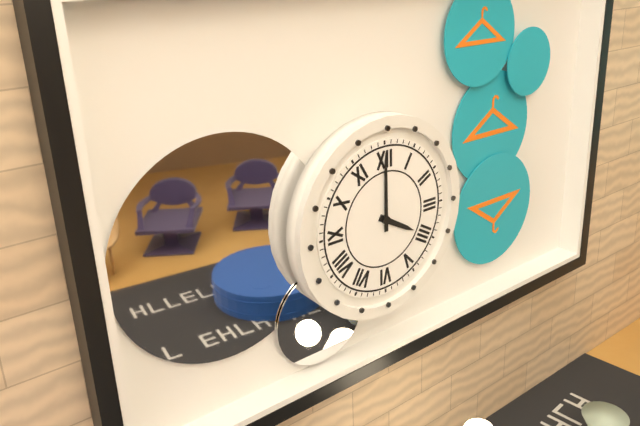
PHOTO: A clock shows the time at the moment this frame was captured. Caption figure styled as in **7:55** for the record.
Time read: **4:00**
